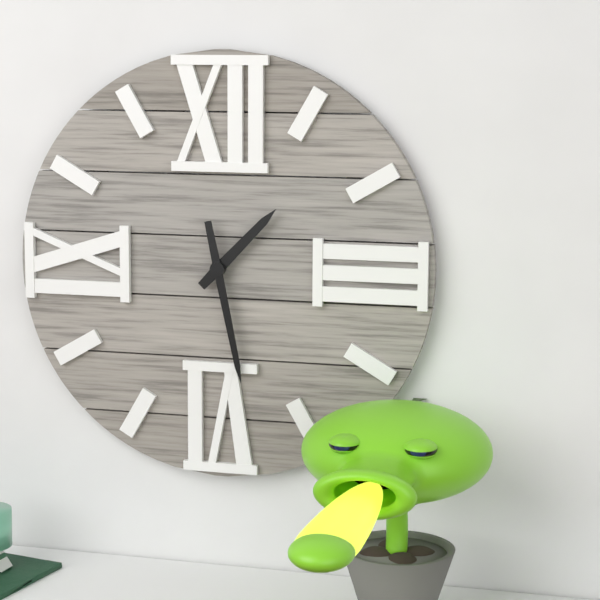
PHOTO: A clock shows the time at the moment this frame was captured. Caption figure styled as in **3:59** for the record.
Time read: **1:28**
